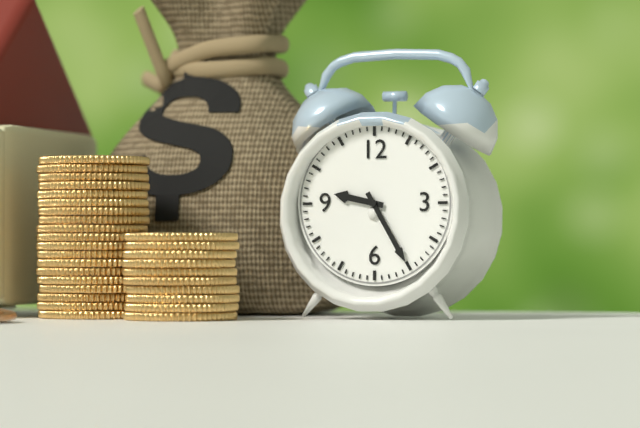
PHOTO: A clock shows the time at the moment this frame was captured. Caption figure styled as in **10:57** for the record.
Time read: **9:25**
